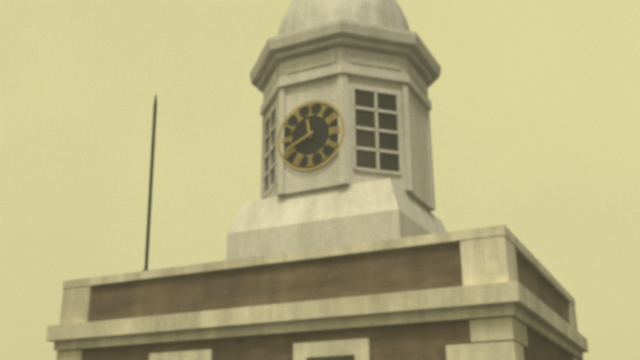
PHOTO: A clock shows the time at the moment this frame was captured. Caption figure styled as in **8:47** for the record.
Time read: **11:41**
